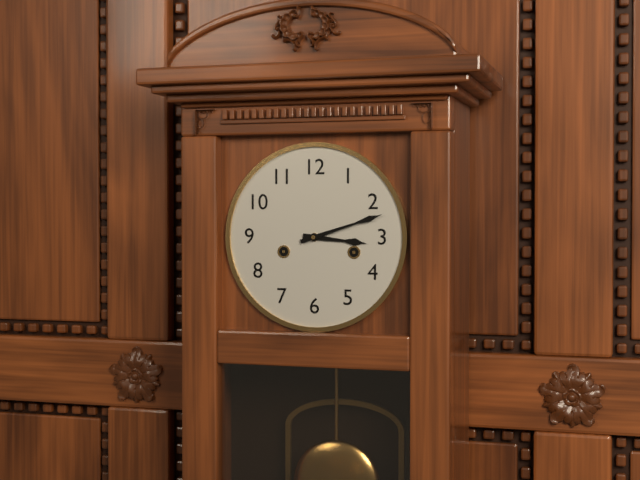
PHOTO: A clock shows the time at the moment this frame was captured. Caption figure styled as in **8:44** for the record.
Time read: **3:12**
